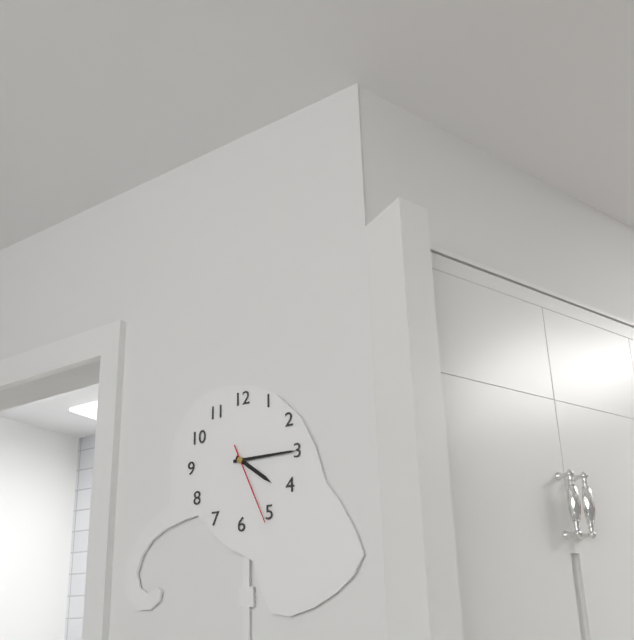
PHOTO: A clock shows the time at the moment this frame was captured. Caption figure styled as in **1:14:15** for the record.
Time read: **4:15:26**
